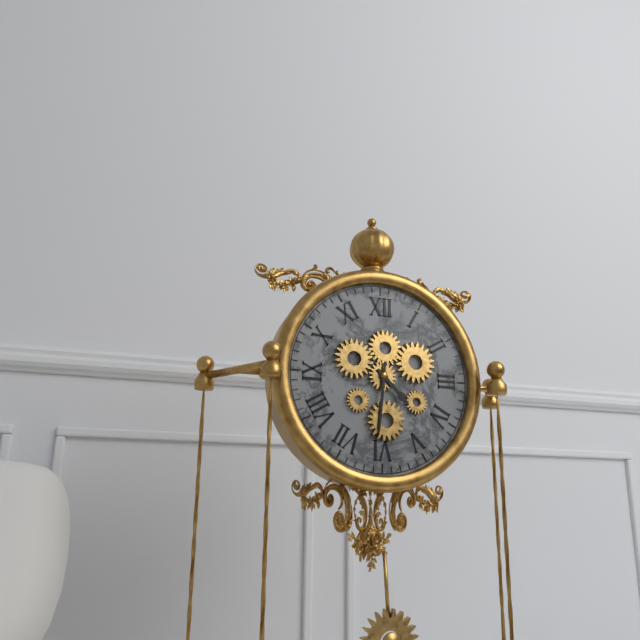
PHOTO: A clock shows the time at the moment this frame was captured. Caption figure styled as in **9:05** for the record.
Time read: **4:31**
